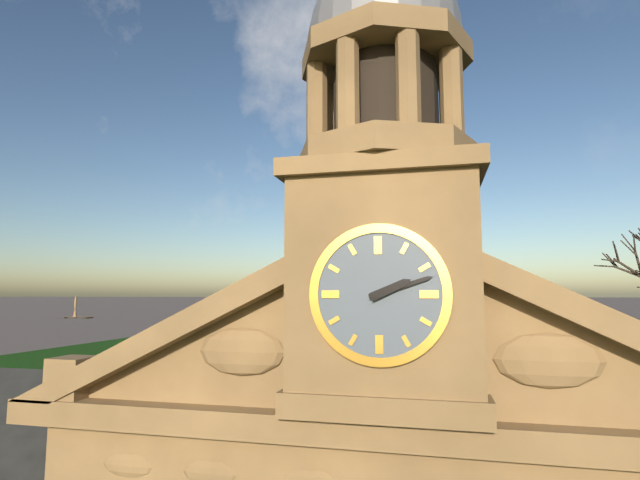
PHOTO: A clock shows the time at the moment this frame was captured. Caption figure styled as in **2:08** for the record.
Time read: **2:12**
